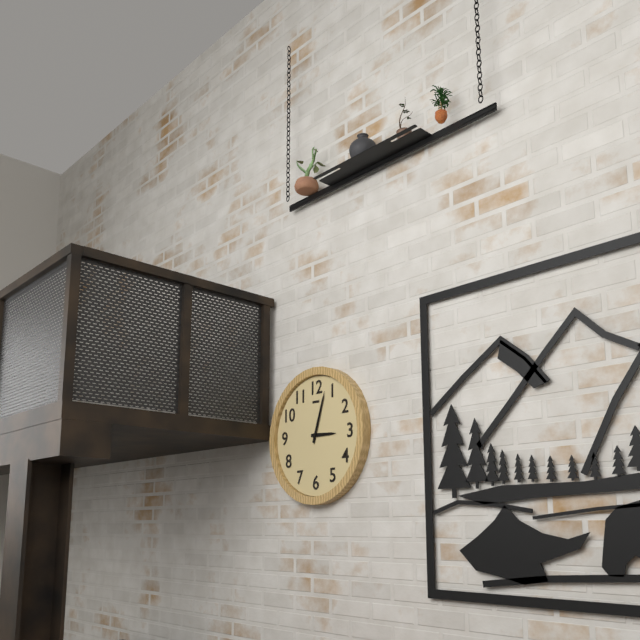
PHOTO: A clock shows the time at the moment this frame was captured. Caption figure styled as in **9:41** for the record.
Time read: **3:03**
